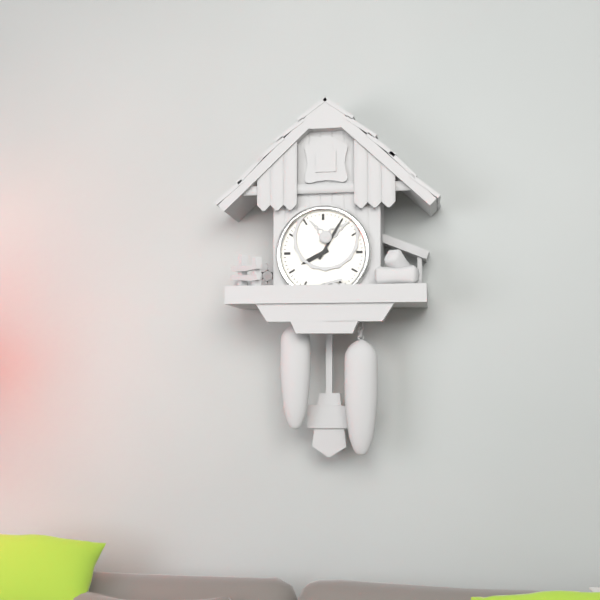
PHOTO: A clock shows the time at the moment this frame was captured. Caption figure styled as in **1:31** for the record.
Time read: **8:05**
